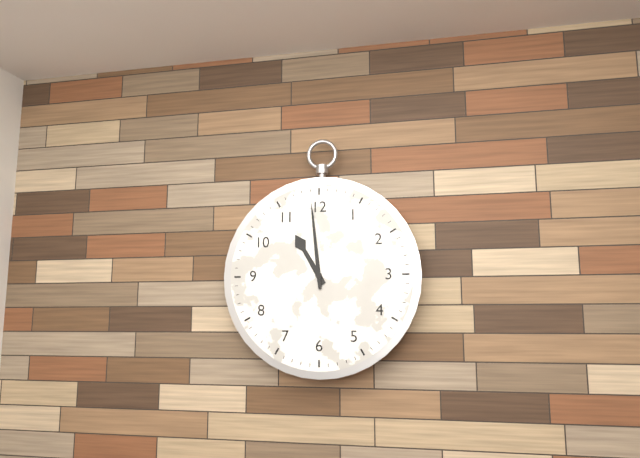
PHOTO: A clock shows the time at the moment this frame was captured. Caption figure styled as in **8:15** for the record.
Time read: **10:59**
